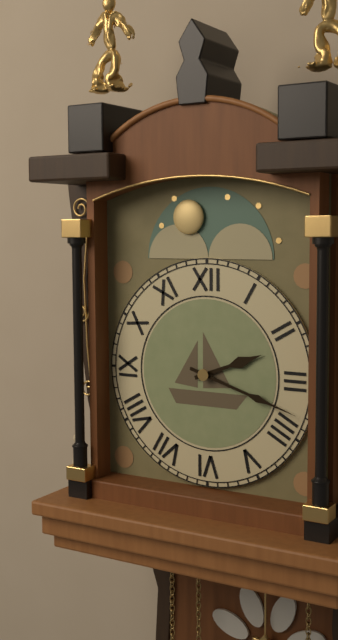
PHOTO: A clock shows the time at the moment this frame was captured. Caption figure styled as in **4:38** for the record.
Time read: **2:18**
